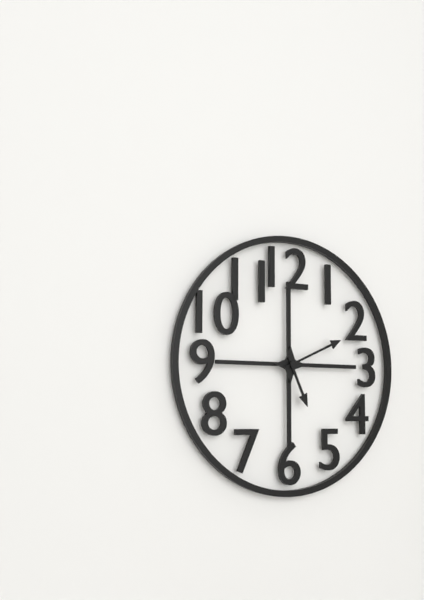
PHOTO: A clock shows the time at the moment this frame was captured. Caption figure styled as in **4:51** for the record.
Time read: **5:11**
